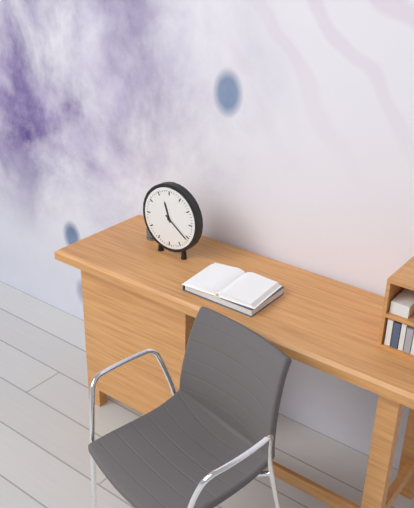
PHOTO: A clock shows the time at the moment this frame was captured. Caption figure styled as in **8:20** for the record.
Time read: **11:21**
